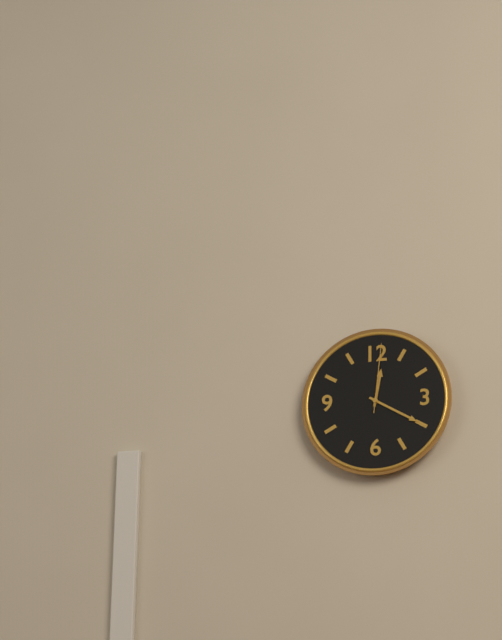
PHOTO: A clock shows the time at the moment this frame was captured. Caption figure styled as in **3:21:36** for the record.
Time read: **12:20:01**
